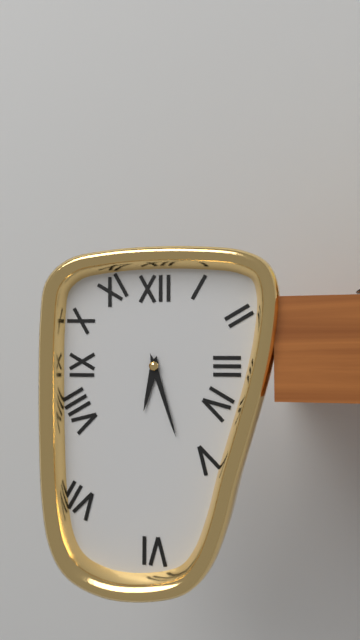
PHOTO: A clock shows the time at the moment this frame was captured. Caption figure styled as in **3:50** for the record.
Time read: **6:27**
